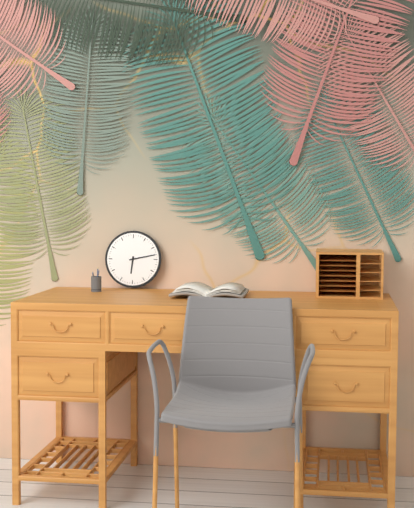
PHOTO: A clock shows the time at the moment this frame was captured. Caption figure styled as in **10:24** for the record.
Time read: **6:13**
